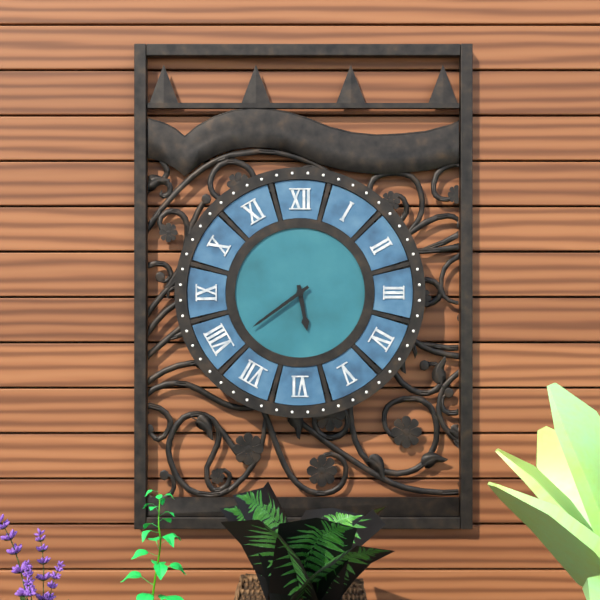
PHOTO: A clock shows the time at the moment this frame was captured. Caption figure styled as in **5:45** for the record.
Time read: **5:39**
